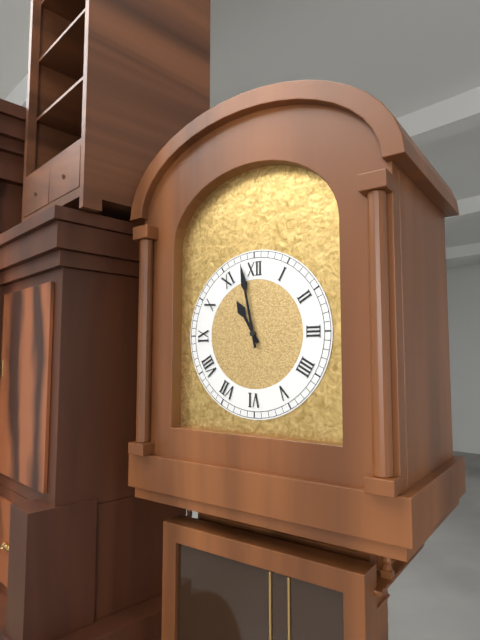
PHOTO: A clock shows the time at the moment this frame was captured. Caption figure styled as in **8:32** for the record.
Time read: **10:58**
